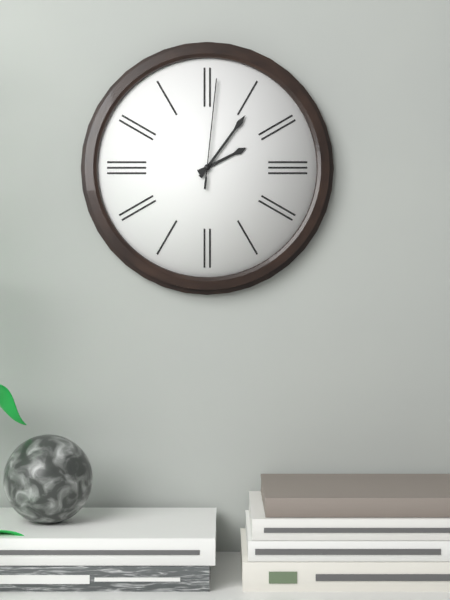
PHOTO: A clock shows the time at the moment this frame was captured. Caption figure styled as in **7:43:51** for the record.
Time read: **2:06:01**
